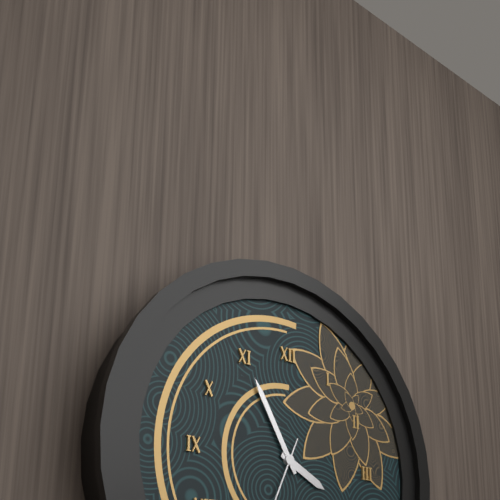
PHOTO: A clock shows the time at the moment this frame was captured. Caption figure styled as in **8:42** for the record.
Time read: **3:55**
